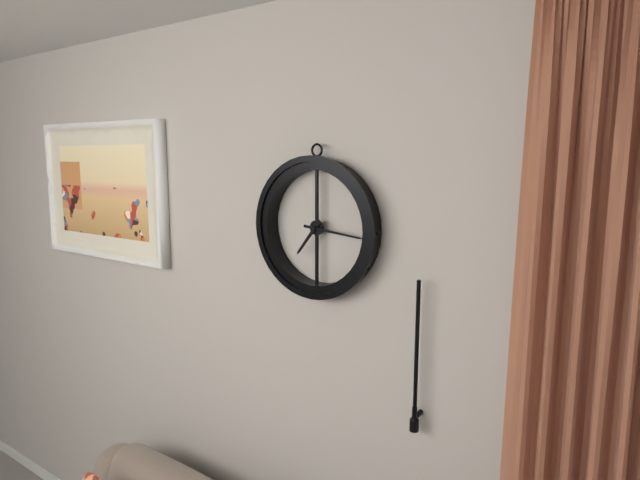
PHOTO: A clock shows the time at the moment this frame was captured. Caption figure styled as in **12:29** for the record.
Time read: **7:16**
